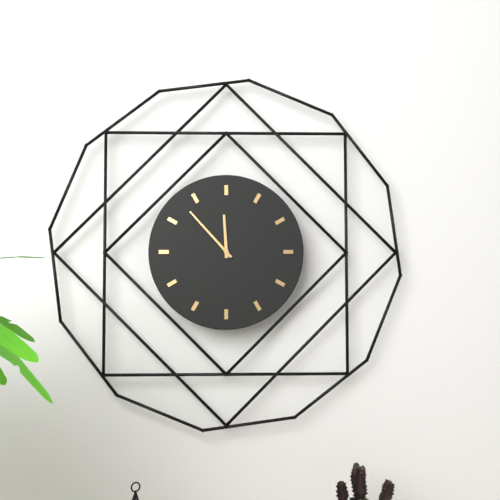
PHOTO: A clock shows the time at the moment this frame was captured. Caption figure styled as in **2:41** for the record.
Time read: **11:53**
